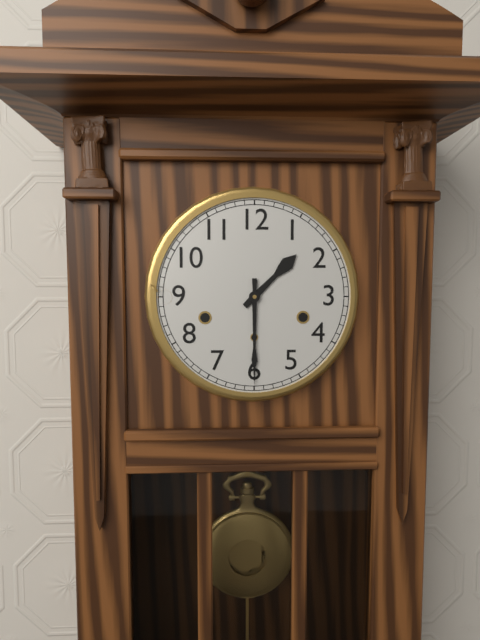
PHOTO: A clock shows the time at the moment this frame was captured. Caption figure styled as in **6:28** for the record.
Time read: **1:30**
